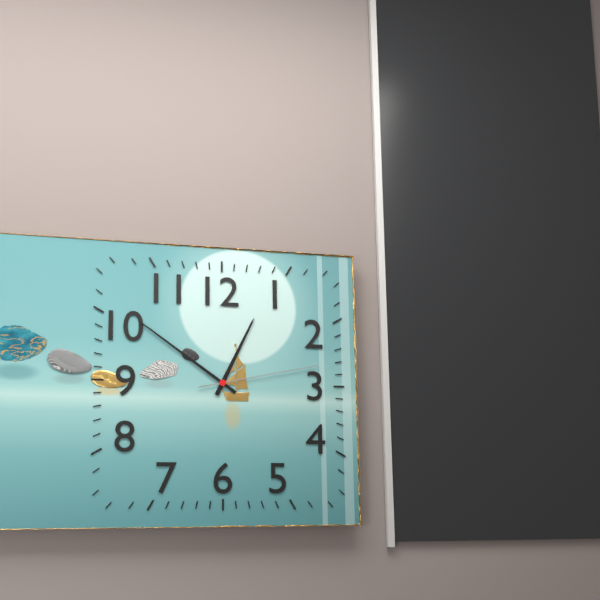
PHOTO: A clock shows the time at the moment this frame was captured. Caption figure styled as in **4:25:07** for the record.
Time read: **12:51:13**
